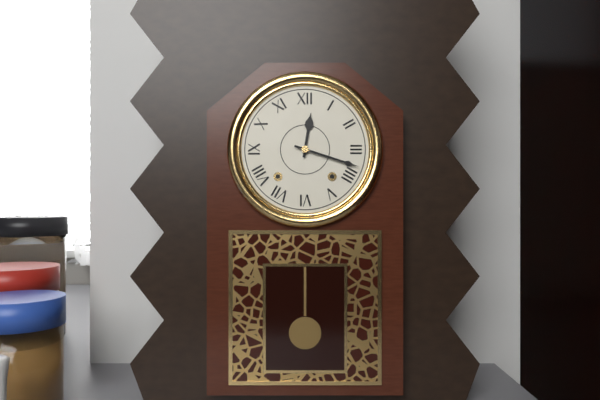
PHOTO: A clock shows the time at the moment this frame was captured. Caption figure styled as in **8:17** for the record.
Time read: **12:18**
